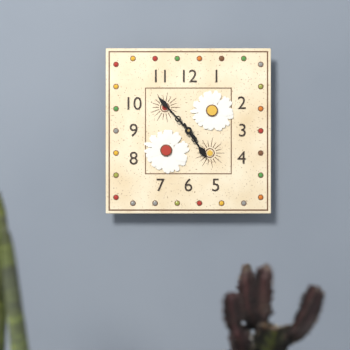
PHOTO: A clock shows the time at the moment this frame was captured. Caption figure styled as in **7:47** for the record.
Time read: **4:53**
